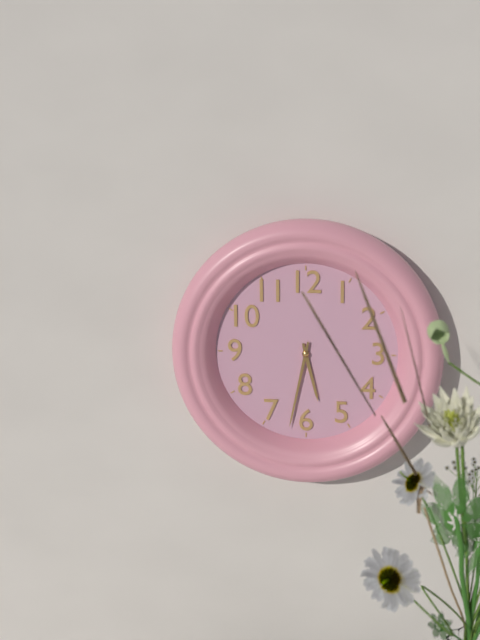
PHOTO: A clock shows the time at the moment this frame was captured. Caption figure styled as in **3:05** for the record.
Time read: **5:32**
